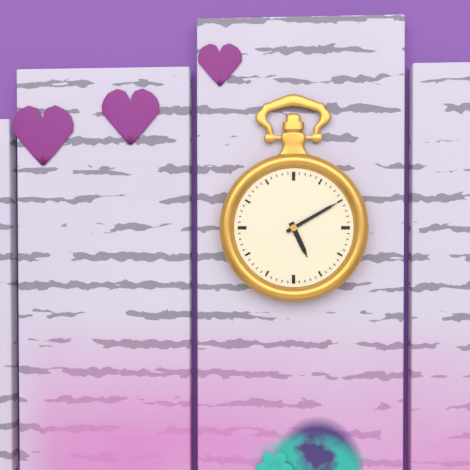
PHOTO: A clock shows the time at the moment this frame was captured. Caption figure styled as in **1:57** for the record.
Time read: **5:10**
